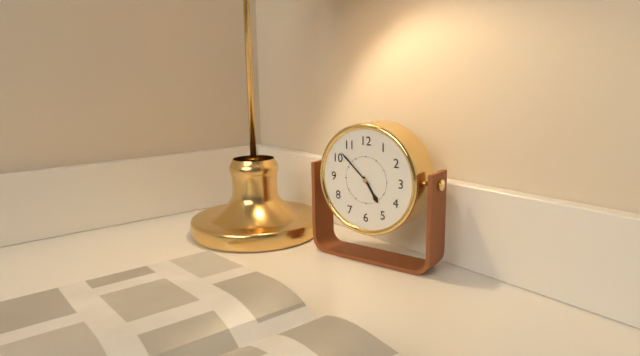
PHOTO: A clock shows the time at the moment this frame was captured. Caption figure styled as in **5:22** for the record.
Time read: **4:52**
